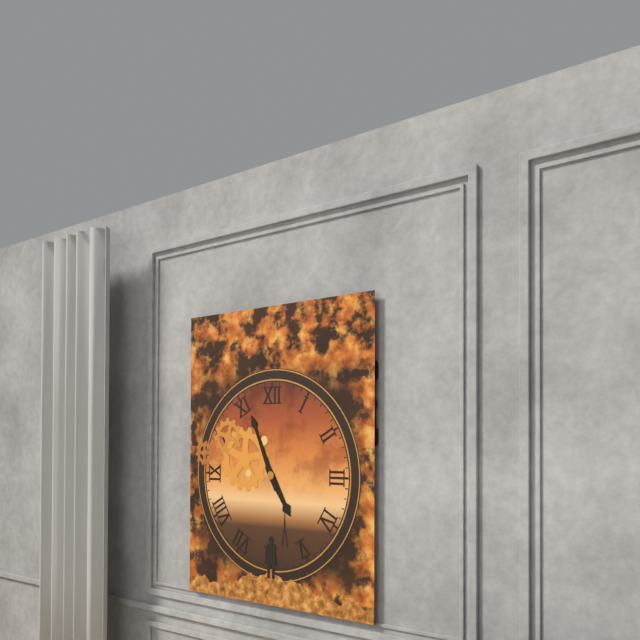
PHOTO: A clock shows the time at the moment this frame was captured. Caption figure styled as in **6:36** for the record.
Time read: **4:56**
